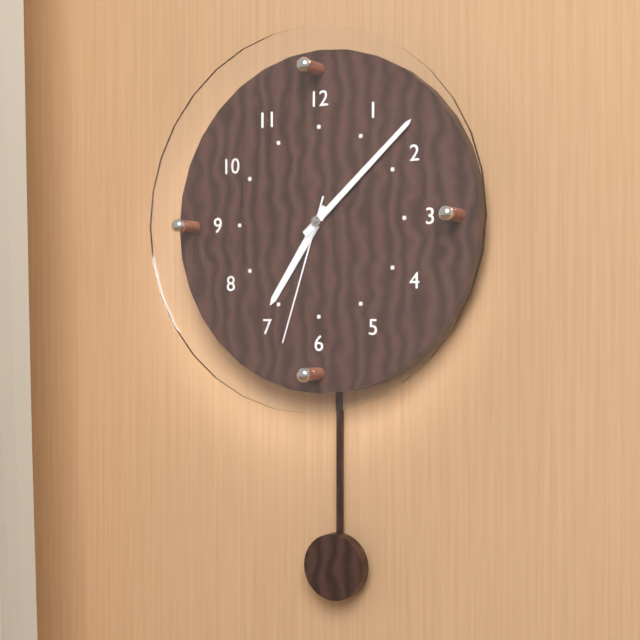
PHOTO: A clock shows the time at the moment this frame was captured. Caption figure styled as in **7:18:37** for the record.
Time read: **7:08:33**
